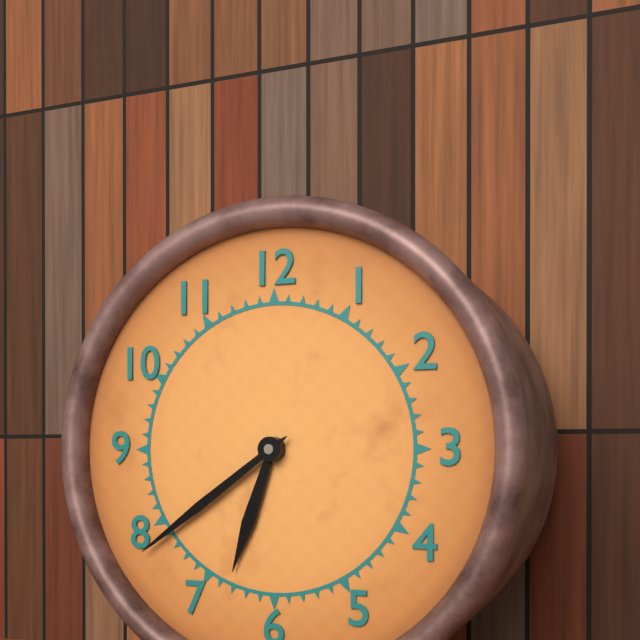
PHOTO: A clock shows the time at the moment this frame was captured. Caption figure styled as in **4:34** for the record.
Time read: **6:39**
